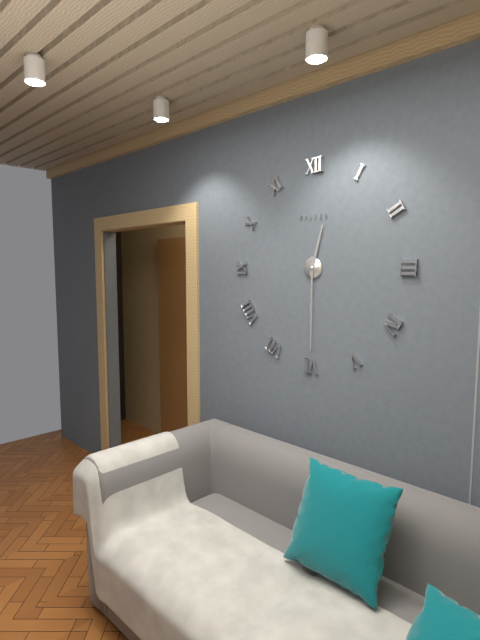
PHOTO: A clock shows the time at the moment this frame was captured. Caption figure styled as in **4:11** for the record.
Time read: **12:30**
